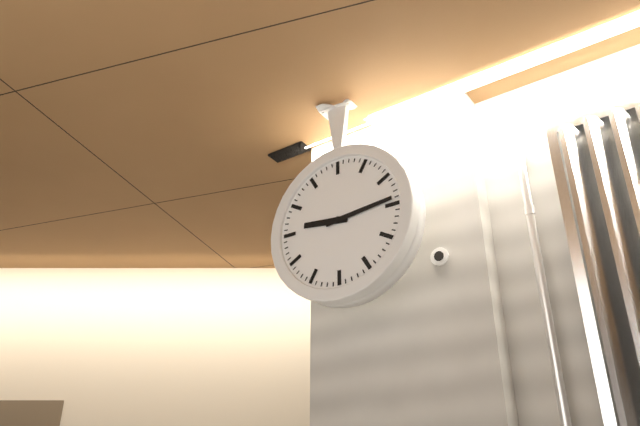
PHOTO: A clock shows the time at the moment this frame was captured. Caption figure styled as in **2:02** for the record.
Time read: **9:14**
